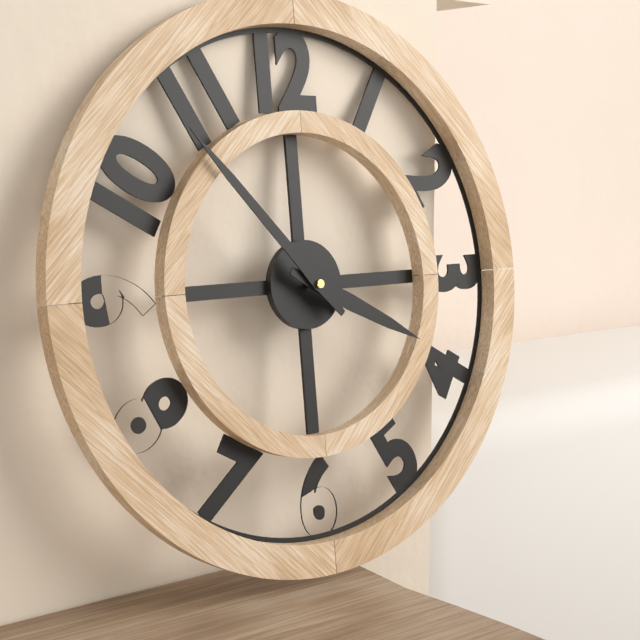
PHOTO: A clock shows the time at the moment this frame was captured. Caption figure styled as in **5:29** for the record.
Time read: **3:53**
